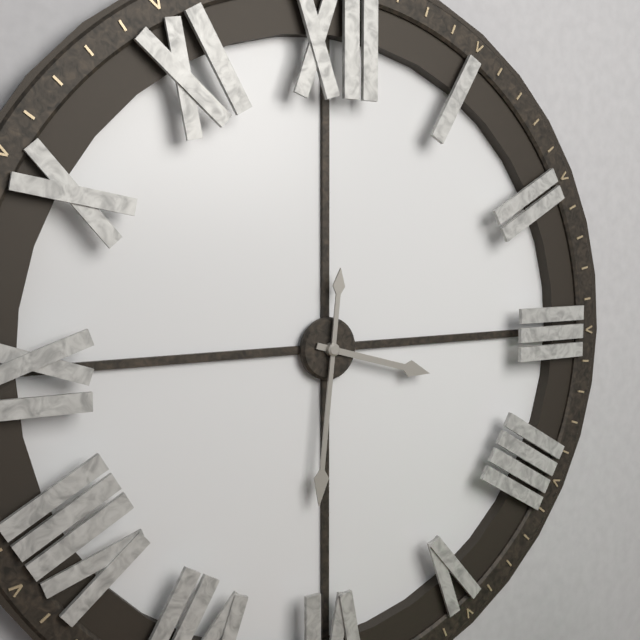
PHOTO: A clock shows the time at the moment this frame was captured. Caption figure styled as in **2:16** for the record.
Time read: **3:31**
